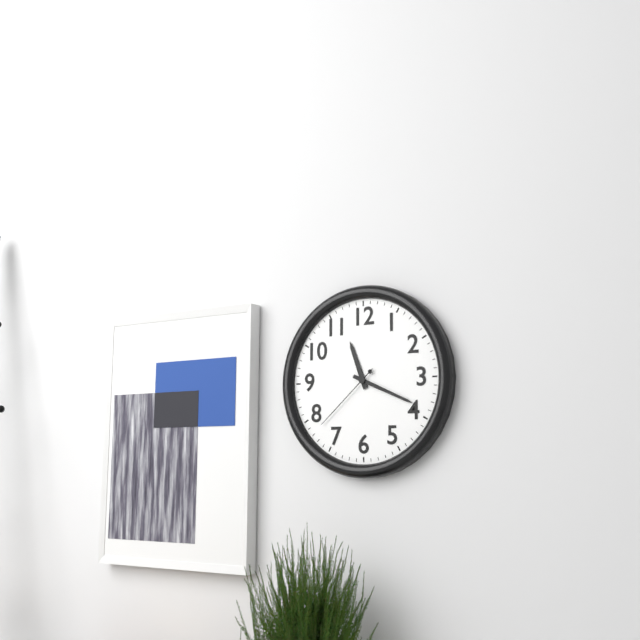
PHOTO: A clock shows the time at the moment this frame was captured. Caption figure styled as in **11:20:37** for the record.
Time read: **11:19:38**
